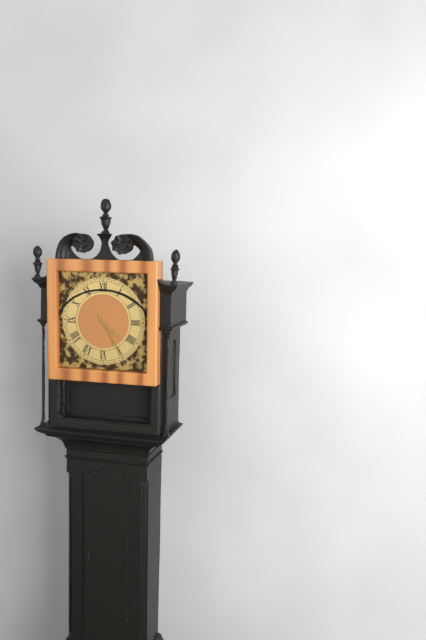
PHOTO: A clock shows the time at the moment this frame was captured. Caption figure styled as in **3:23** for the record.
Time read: **4:25**
